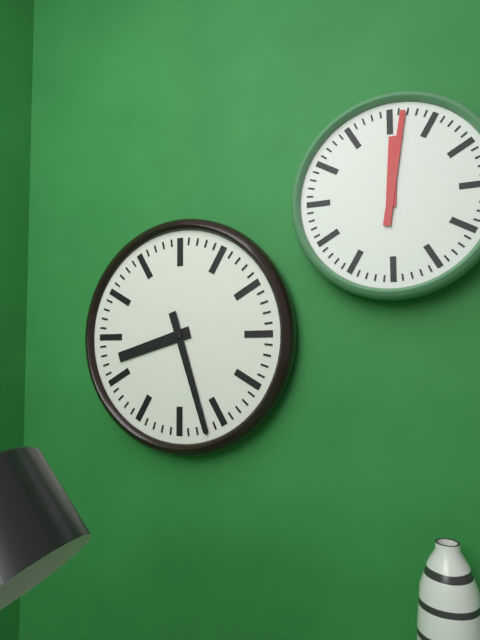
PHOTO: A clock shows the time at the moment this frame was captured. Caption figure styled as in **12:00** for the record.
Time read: **8:27**
